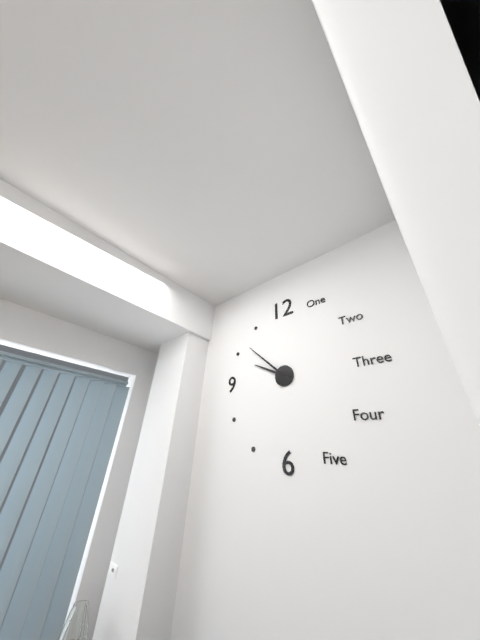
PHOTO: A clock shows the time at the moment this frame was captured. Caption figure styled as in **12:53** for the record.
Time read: **9:52**
